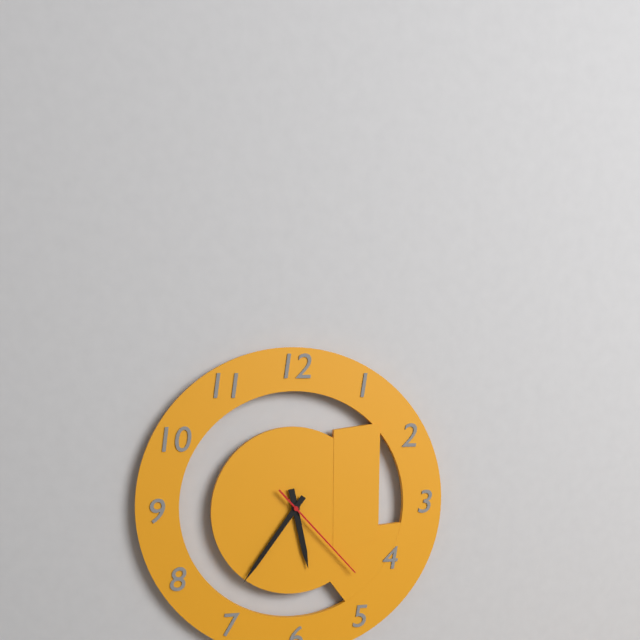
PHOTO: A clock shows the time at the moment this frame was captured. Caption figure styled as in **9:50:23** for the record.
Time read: **5:36:23**
